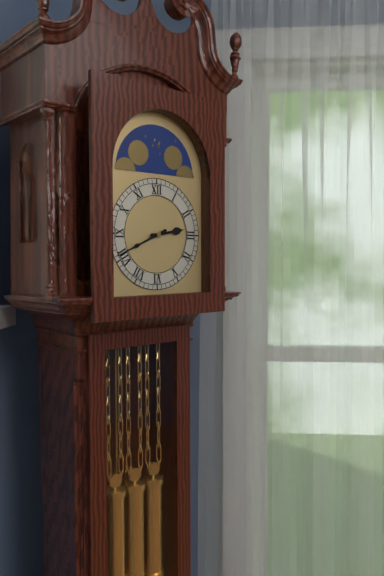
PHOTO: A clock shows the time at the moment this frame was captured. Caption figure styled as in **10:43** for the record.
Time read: **2:41**
